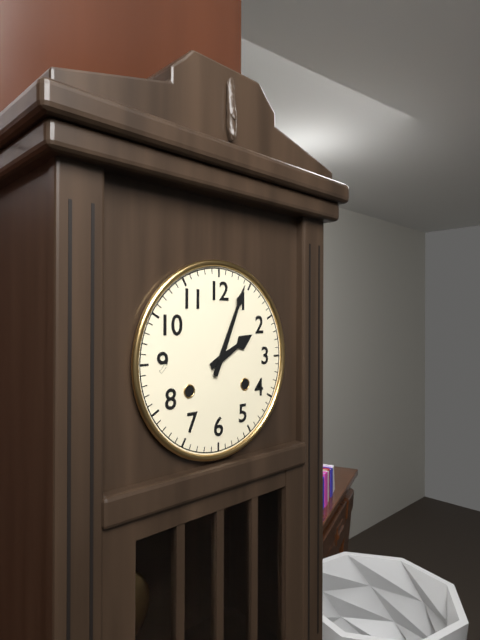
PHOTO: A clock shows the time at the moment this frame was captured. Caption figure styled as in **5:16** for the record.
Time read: **2:04**
